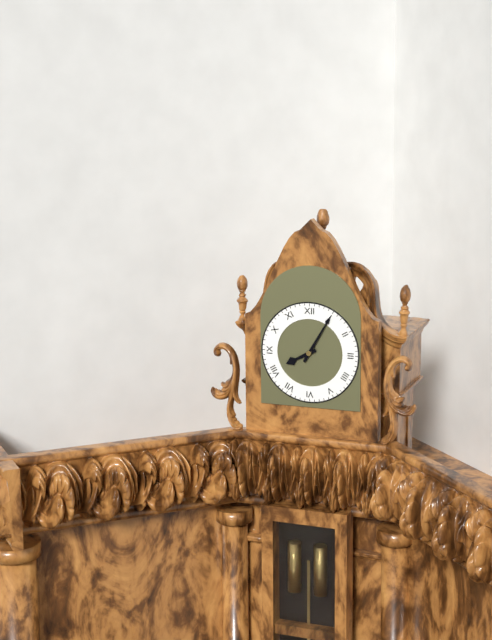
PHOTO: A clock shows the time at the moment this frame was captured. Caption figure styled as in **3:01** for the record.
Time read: **8:05**
